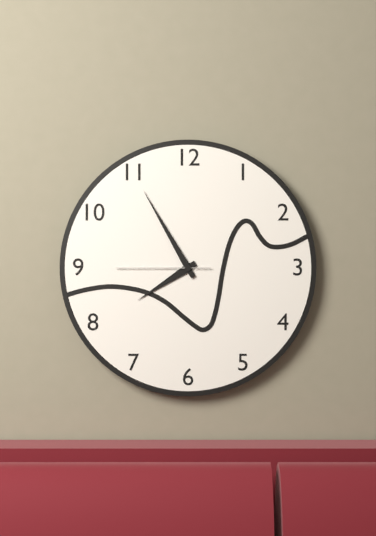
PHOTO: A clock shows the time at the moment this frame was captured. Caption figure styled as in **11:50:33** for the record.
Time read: **7:55:45**
